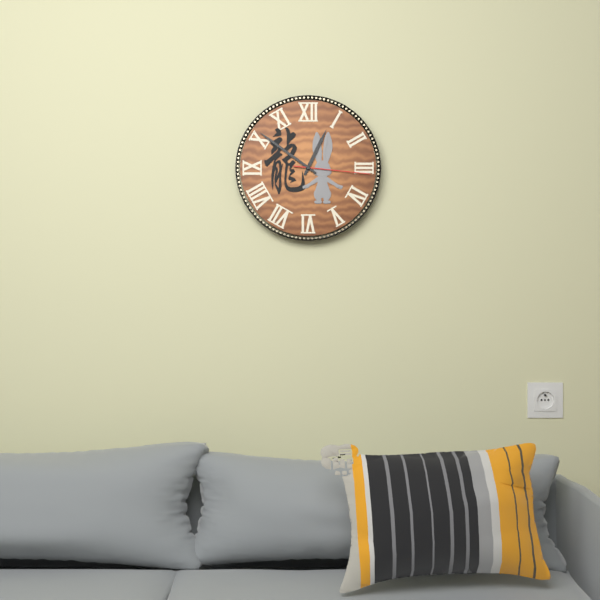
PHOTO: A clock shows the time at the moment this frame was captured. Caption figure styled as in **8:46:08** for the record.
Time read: **12:51:16**
